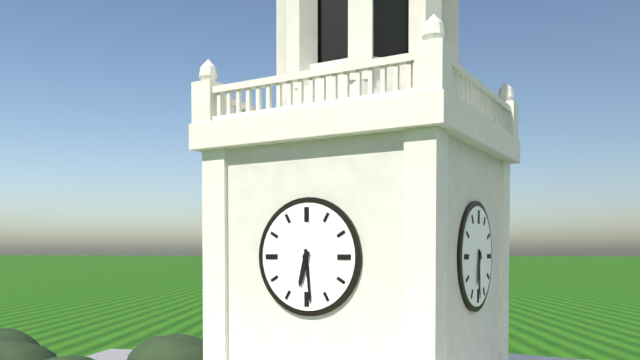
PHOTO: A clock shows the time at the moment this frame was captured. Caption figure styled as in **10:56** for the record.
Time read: **6:29**
